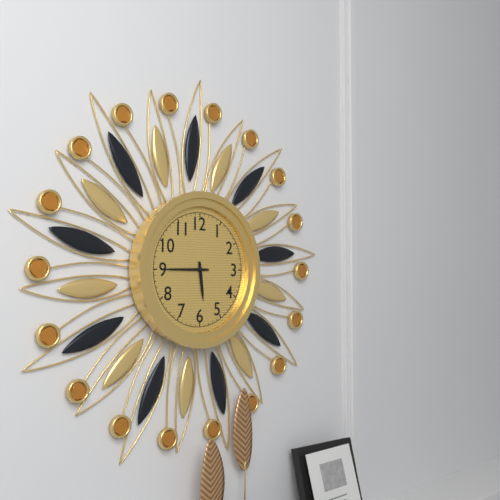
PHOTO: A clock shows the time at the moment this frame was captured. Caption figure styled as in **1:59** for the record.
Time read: **5:45**
